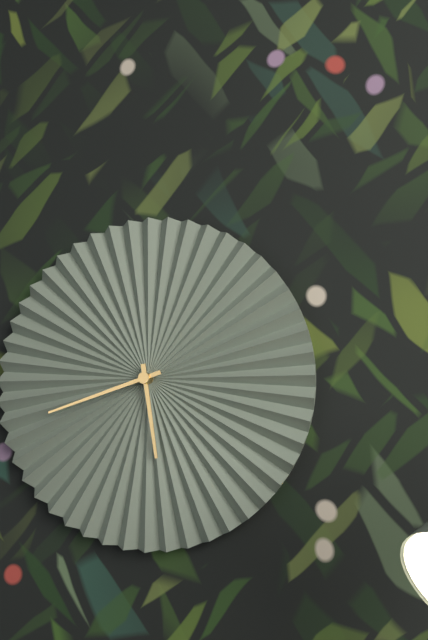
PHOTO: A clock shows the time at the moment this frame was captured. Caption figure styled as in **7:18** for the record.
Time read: **5:42**
